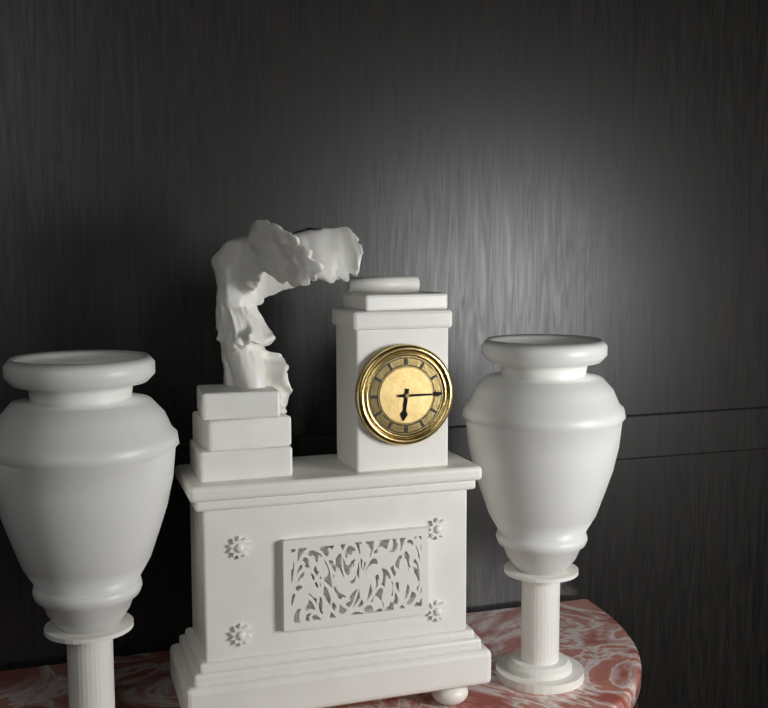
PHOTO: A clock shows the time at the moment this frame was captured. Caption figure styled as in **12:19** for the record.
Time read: **6:15**
